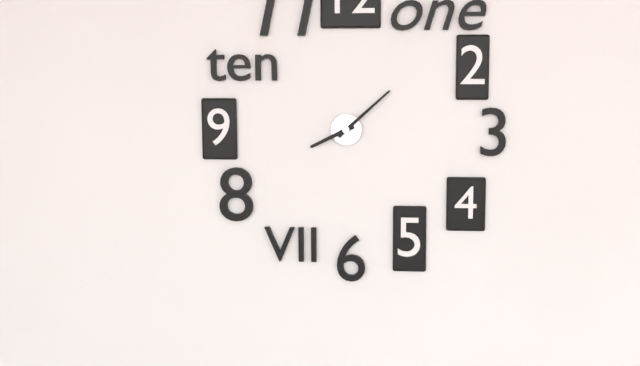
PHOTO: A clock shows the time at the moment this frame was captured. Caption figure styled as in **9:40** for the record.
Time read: **8:08**
